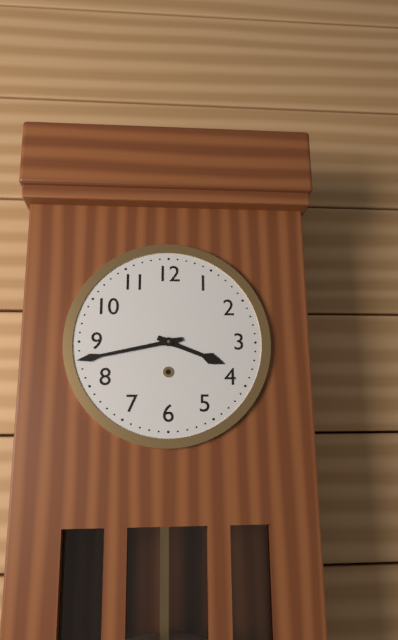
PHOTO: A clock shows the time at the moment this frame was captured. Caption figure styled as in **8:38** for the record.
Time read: **3:43**
